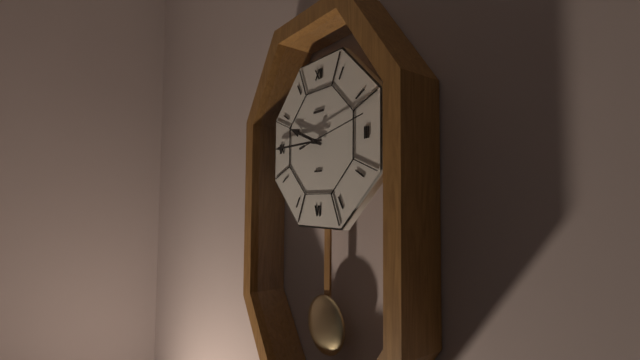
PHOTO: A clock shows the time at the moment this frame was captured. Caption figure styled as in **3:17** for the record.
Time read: **9:45**
